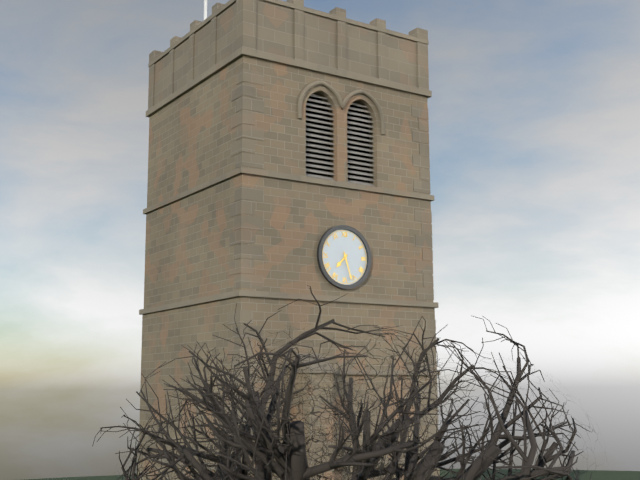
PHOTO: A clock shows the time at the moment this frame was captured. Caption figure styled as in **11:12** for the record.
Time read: **7:27**
